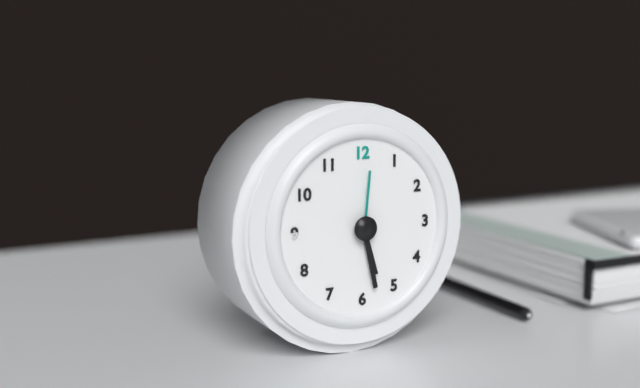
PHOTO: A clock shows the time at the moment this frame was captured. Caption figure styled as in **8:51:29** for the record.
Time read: **5:28:01**
